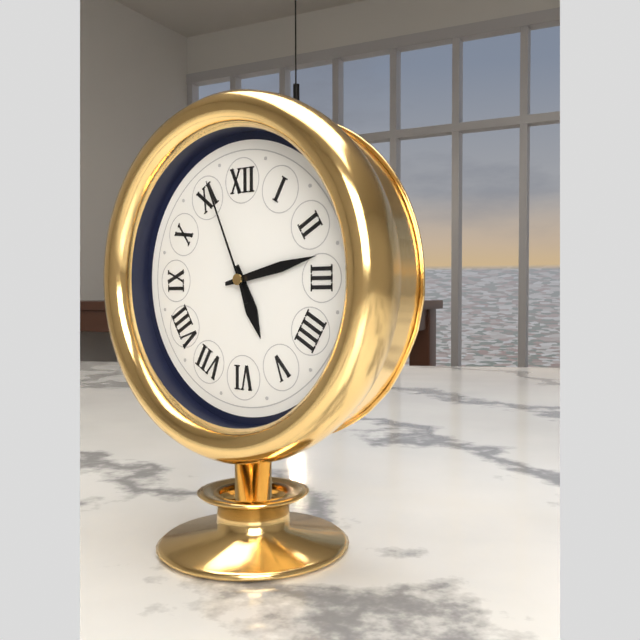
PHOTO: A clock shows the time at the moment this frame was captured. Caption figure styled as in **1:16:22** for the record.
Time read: **5:13:56**
